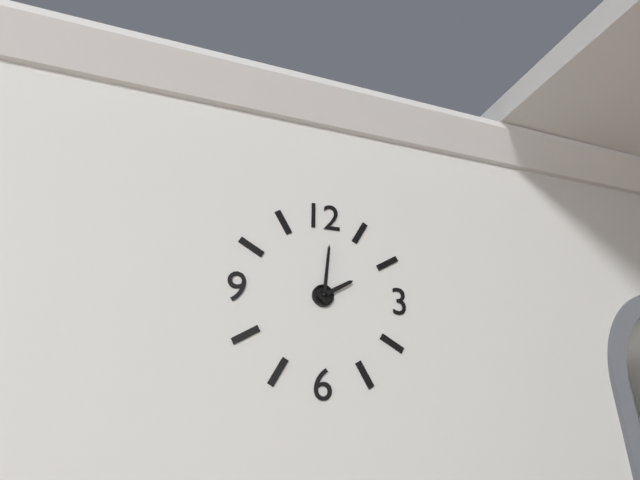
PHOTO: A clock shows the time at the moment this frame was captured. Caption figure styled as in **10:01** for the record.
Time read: **2:01**
